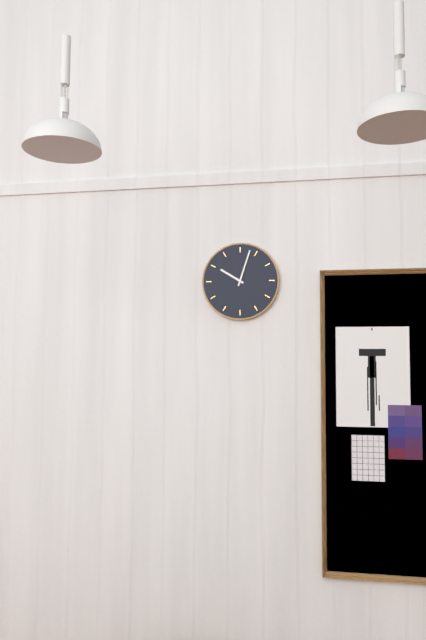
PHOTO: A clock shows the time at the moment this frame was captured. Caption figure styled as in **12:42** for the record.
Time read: **10:03**
